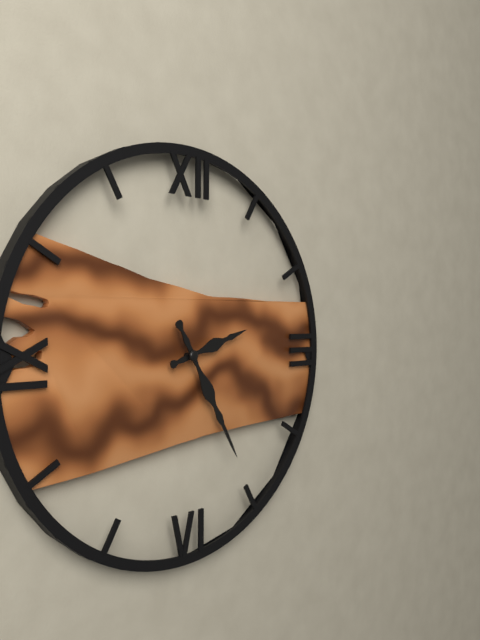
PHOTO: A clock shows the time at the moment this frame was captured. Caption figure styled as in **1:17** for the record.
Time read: **2:25**
